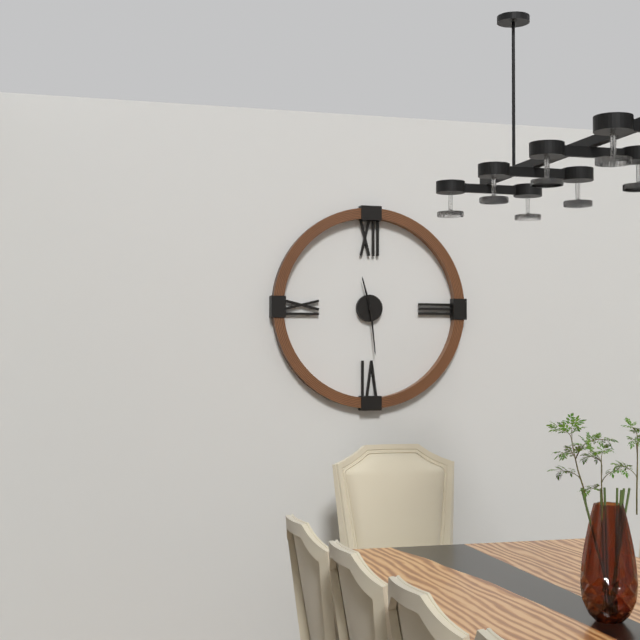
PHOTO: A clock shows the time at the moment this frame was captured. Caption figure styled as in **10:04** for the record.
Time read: **11:29**
